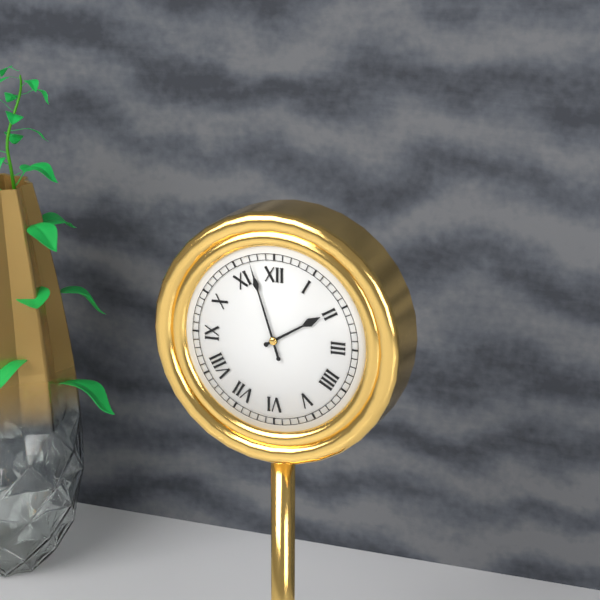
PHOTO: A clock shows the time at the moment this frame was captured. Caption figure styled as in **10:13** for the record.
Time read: **1:57**
